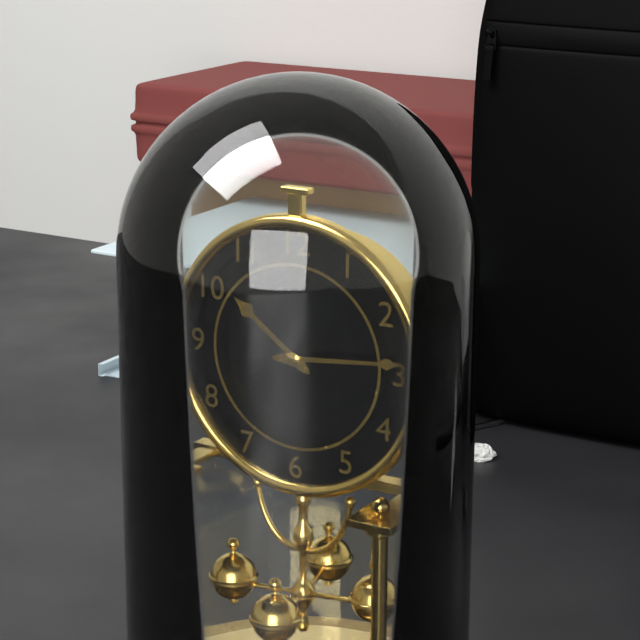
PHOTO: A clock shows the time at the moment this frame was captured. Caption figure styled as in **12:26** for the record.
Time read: **10:14**
